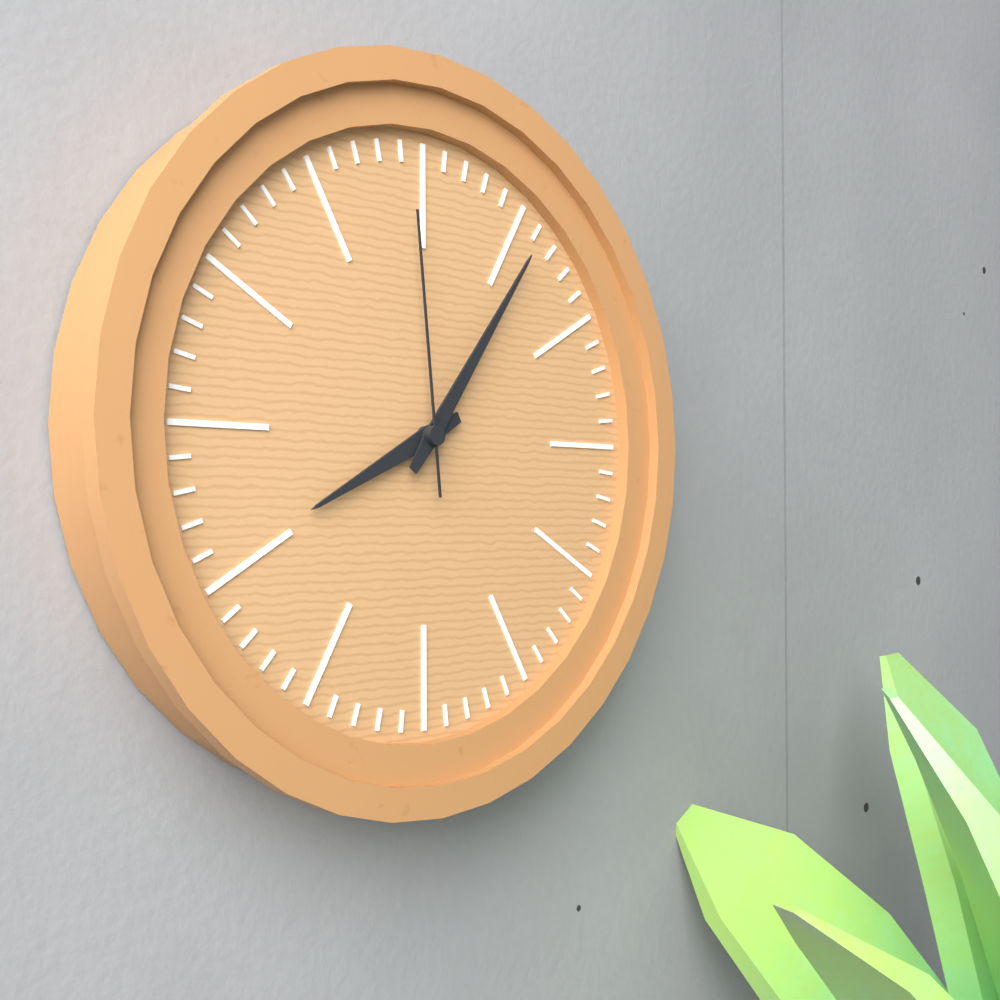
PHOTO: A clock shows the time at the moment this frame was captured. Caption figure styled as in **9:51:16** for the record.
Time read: **8:06:59**
